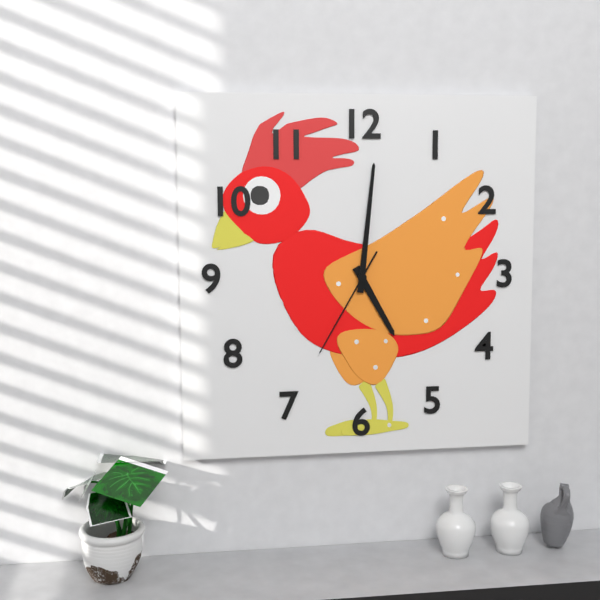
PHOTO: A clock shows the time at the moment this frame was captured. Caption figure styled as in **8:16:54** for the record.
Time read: **5:01:35**
